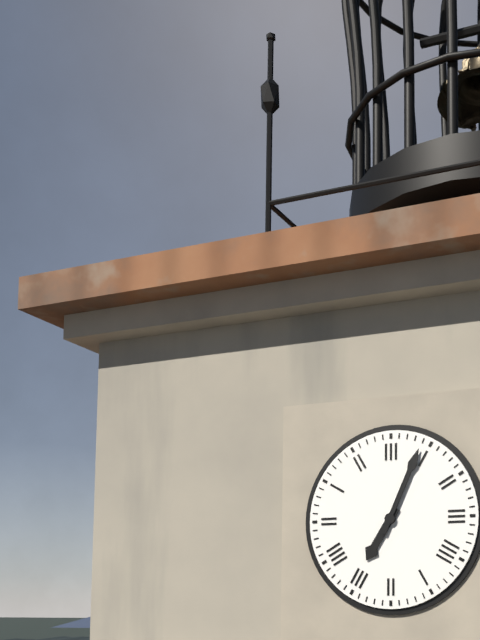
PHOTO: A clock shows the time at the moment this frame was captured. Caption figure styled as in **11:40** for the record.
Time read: **7:04**
